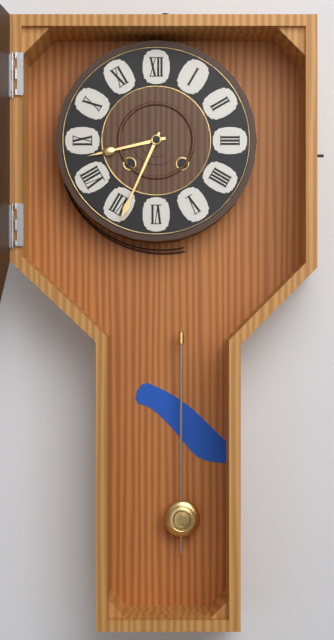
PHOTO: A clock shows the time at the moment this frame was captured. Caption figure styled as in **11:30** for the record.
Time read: **8:34**
